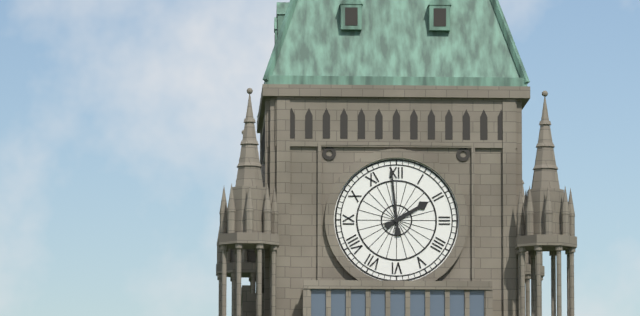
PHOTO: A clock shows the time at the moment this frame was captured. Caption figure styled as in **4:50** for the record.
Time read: **1:59**
